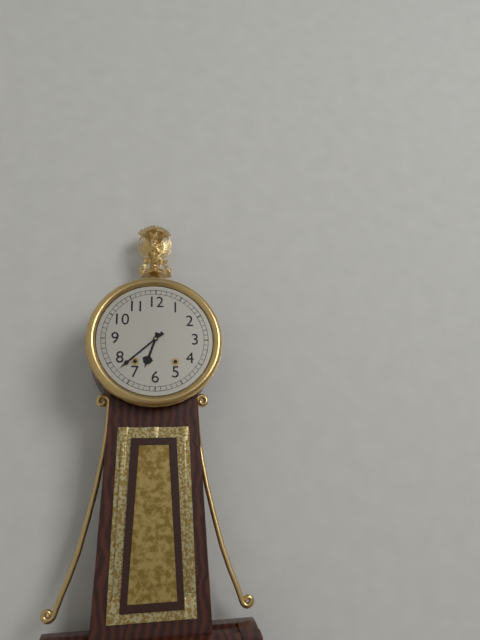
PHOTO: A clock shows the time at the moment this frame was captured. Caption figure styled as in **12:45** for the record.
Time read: **6:38**
